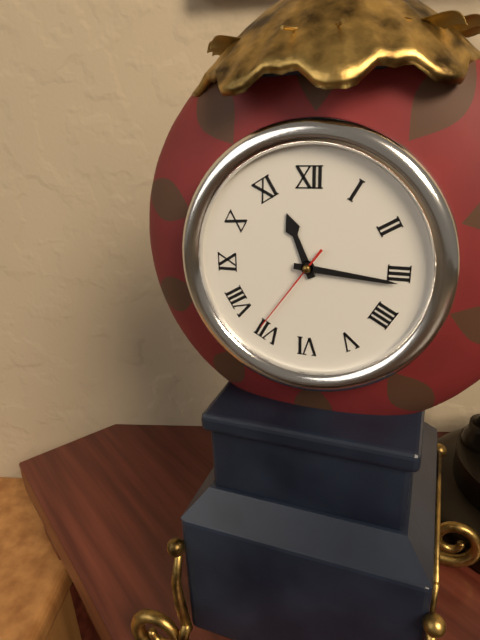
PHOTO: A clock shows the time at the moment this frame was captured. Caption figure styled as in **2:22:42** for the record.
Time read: **11:16:36**
